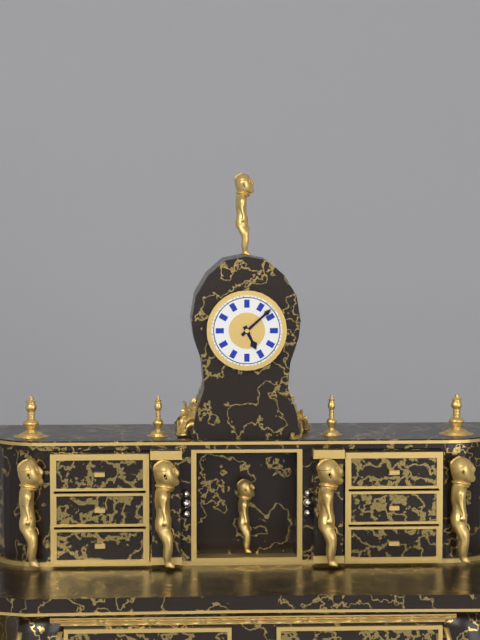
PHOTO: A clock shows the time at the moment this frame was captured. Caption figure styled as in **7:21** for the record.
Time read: **5:08**
